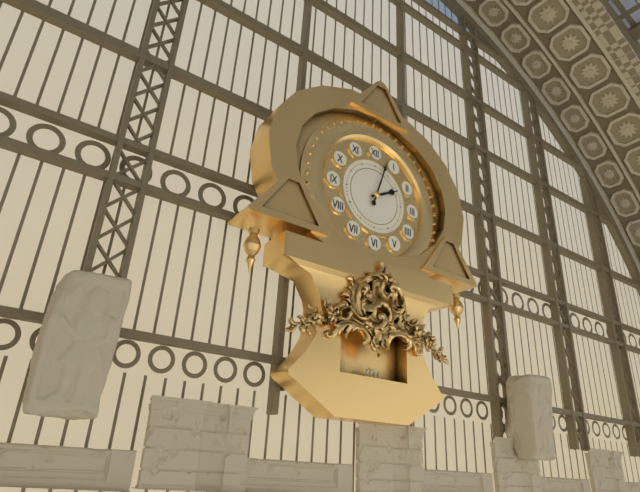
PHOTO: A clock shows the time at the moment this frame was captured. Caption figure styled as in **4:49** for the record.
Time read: **2:03**
